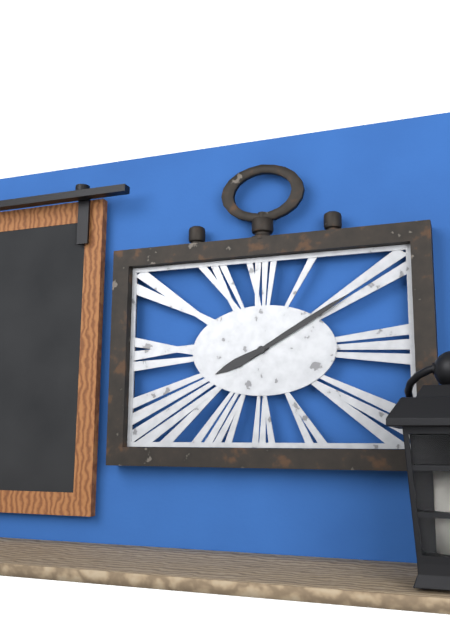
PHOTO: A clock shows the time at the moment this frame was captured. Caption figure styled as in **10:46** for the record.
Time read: **8:10**
